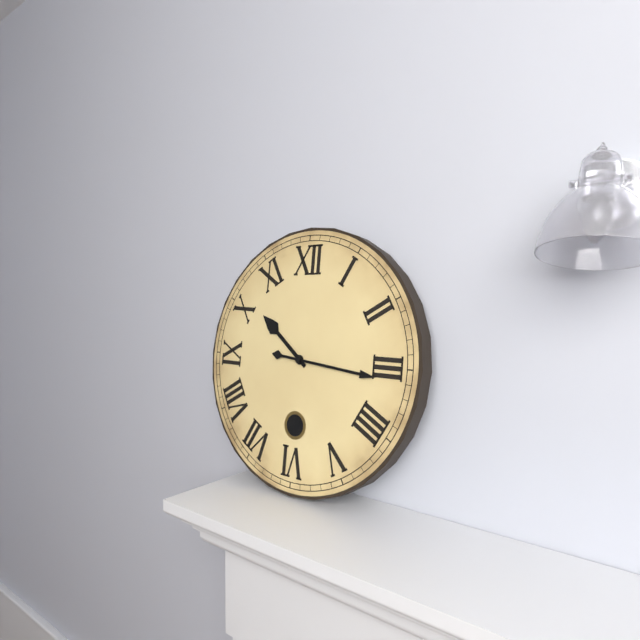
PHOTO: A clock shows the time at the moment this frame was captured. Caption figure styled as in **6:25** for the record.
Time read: **10:16**
